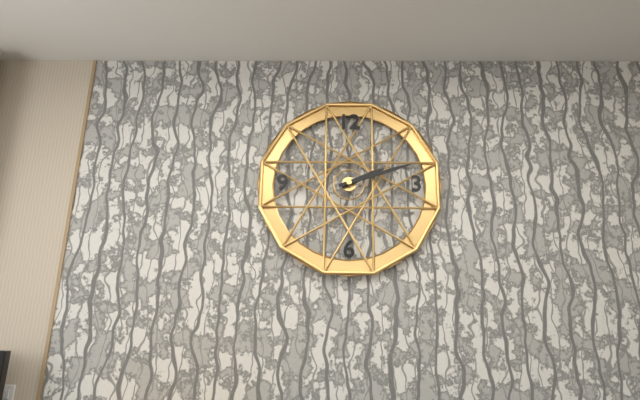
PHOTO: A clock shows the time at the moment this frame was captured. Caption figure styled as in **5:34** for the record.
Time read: **2:12**
